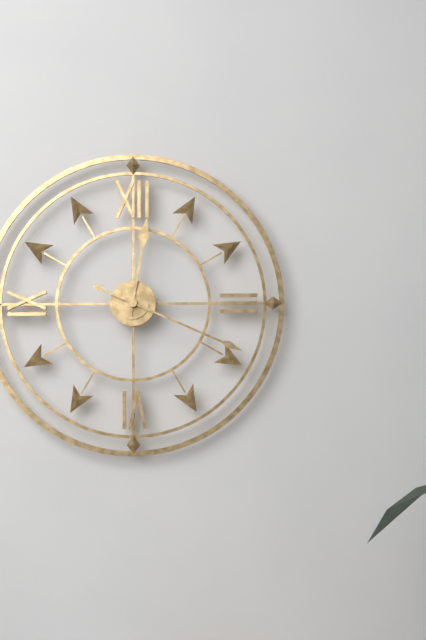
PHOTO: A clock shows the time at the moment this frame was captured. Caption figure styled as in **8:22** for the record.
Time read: **12:19**
